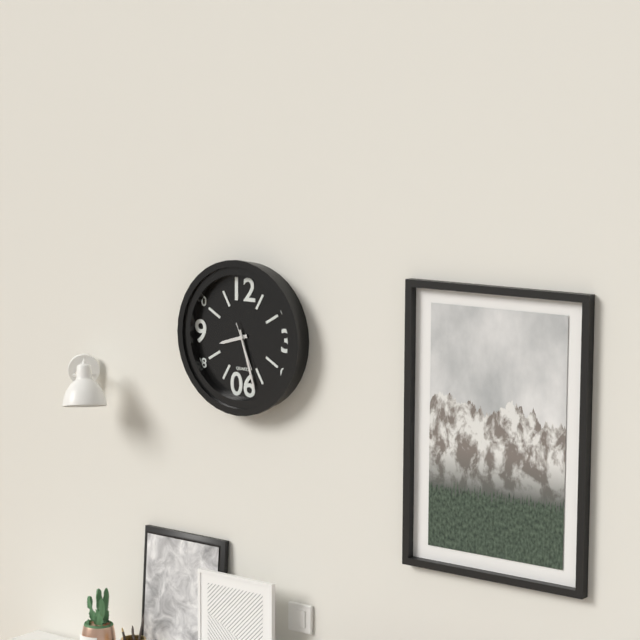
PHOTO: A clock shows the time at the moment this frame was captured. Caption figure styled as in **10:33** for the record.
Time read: **8:27**
